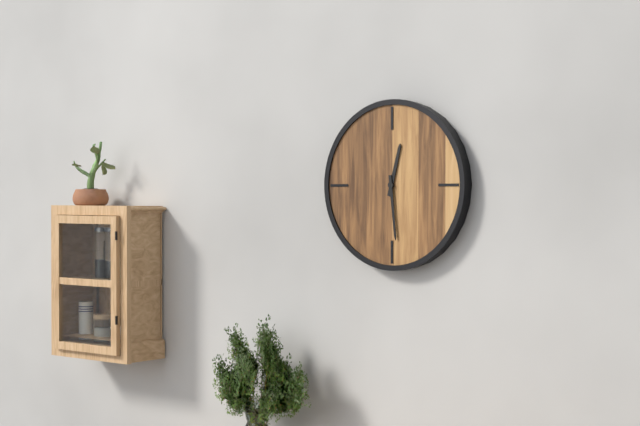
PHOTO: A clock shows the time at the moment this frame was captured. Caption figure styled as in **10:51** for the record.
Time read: **12:29**
